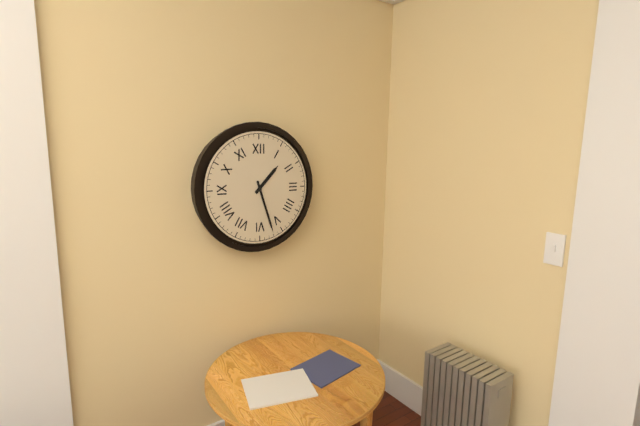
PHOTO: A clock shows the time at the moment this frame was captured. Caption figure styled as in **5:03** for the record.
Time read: **1:27**
